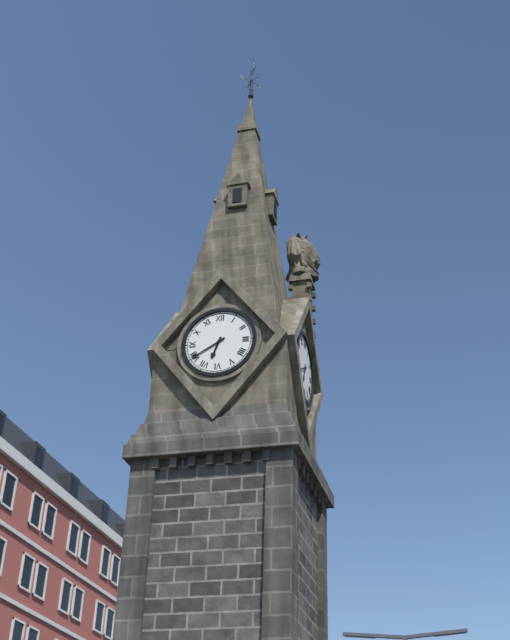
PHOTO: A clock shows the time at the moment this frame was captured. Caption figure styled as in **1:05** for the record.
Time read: **6:40**
